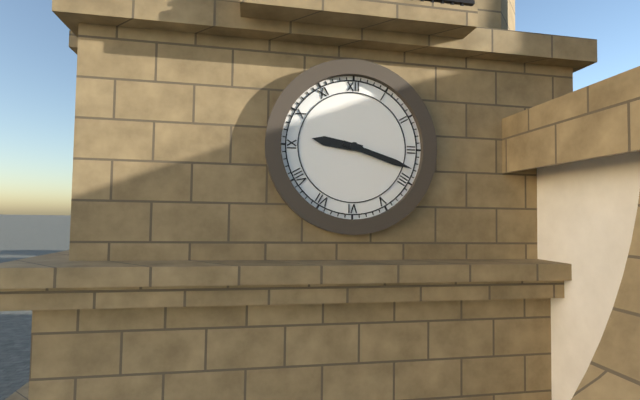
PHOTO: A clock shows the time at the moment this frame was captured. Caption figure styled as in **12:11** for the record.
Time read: **9:18**
